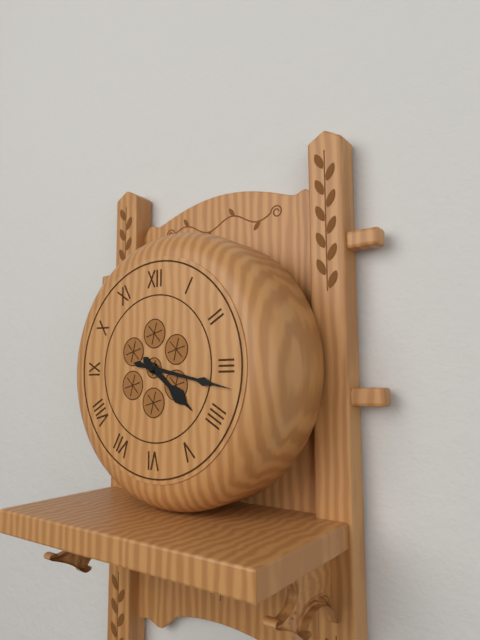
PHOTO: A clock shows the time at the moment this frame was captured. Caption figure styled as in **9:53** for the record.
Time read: **4:17**
